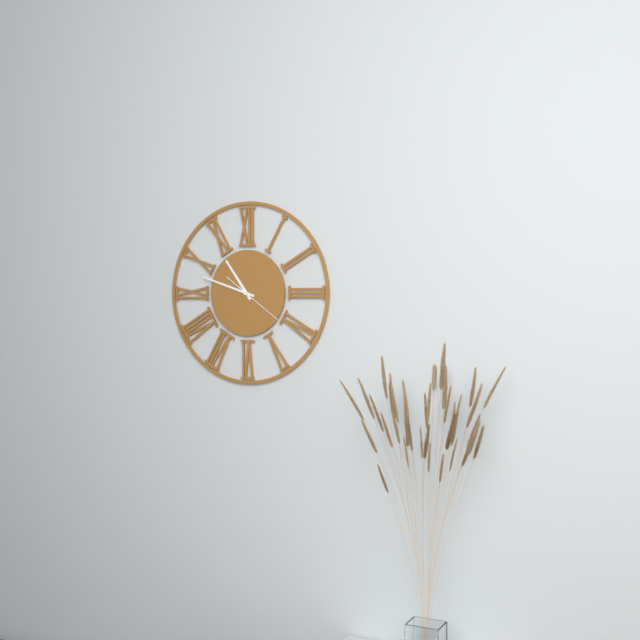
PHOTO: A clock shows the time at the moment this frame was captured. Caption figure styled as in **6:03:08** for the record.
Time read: **10:48:21**
